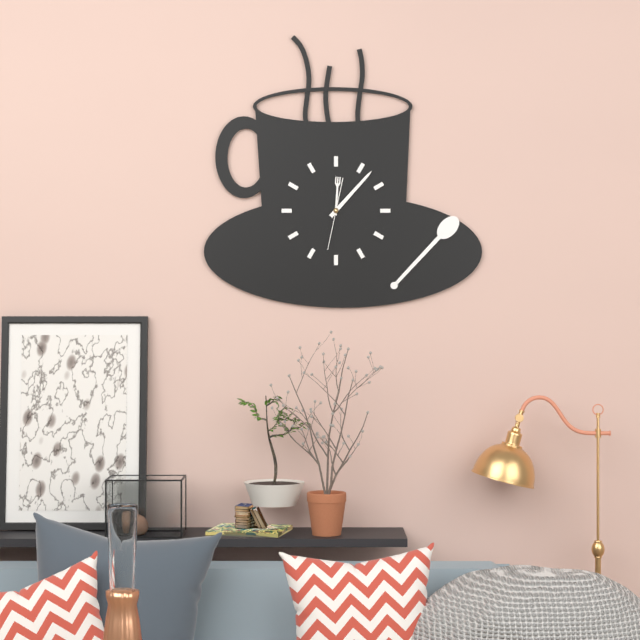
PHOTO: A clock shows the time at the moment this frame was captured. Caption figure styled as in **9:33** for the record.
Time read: **12:07**
